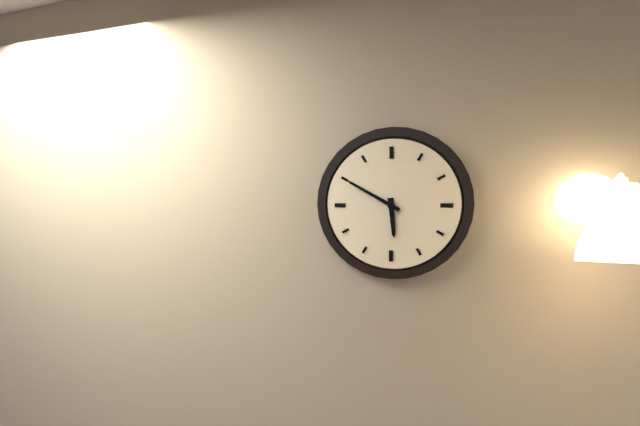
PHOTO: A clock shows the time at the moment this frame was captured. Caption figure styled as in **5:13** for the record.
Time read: **5:50**
